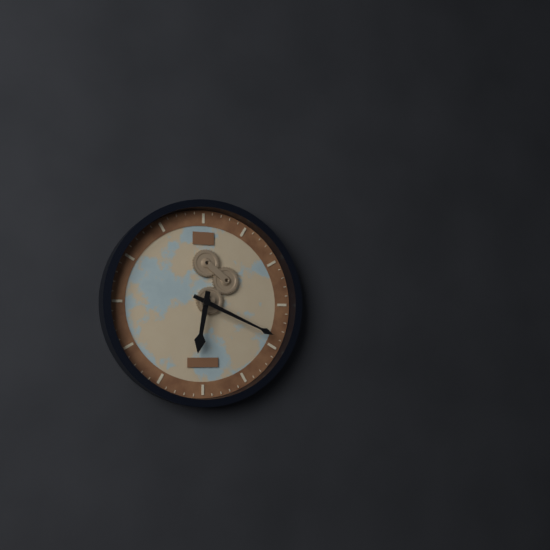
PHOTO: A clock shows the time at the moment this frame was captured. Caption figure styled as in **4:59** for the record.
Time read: **6:19**
